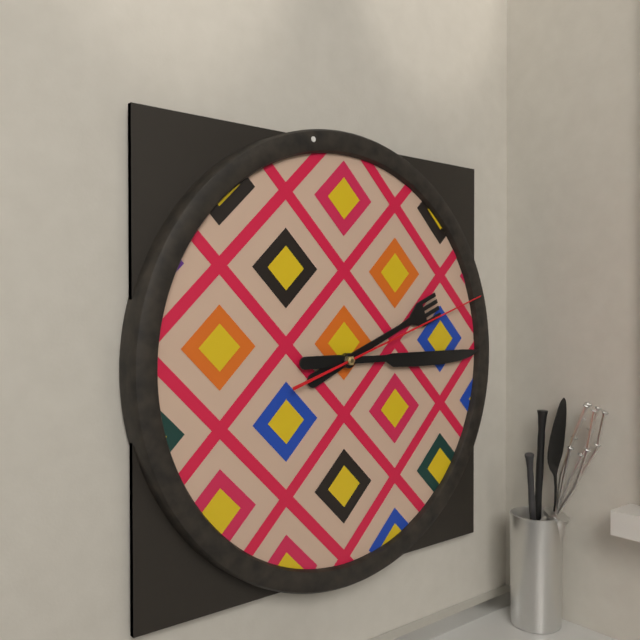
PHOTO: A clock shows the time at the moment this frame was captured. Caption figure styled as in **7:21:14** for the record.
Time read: **2:15:12**
